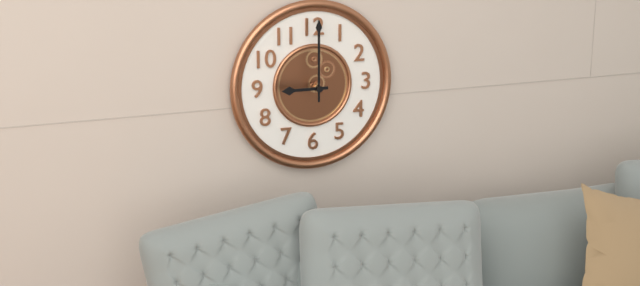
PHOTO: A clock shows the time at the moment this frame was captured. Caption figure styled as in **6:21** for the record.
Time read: **9:00**
